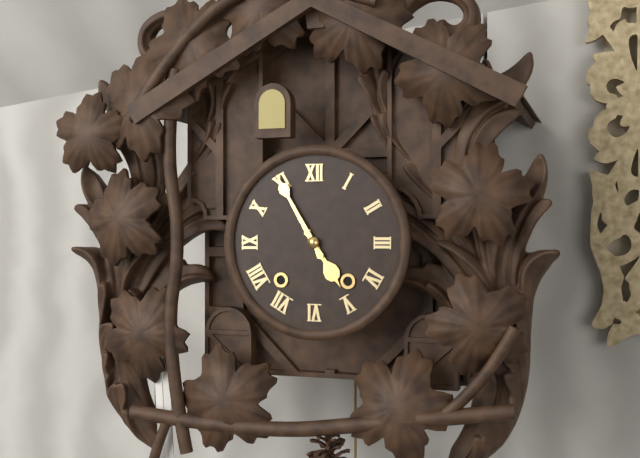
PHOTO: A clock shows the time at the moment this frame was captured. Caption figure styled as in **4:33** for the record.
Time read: **4:55**
